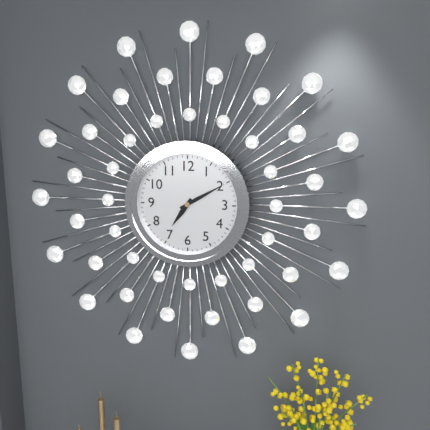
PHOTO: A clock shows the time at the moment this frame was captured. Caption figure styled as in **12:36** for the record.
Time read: **7:10**
